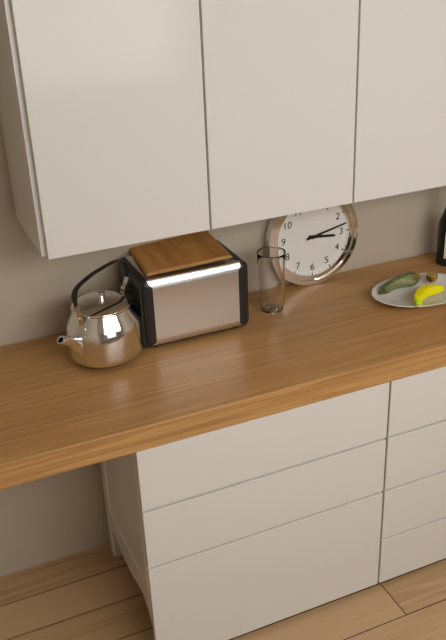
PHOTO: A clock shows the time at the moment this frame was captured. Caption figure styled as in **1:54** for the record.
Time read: **3:13**
